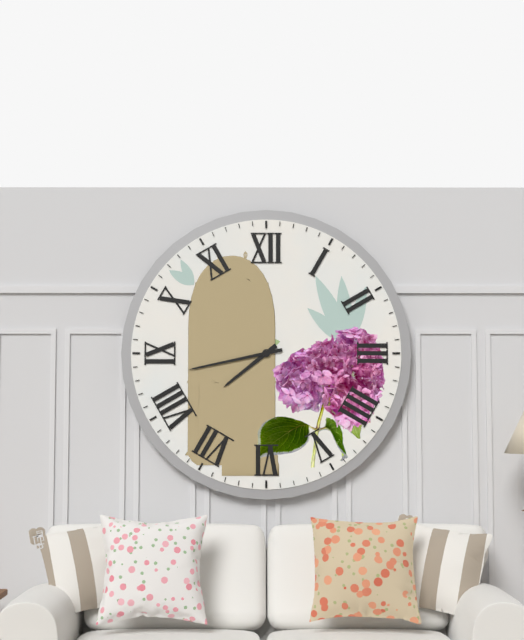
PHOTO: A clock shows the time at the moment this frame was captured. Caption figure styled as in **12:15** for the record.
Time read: **7:43**
